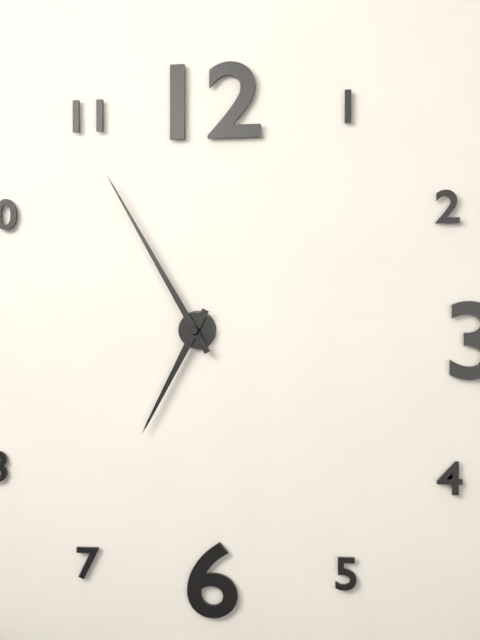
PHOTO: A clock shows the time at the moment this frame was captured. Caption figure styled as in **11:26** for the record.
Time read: **6:55**
